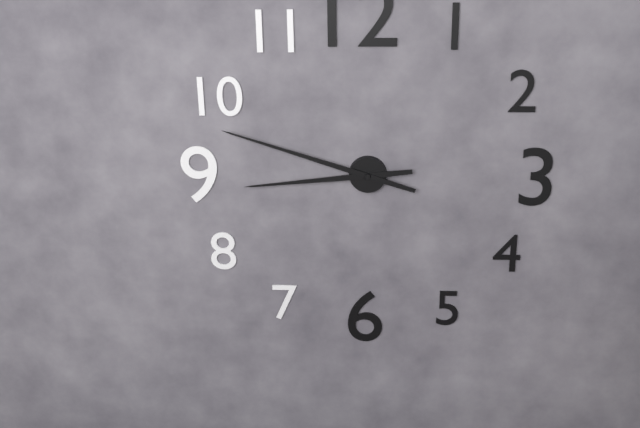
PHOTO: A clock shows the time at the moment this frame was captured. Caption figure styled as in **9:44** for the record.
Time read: **8:48**
